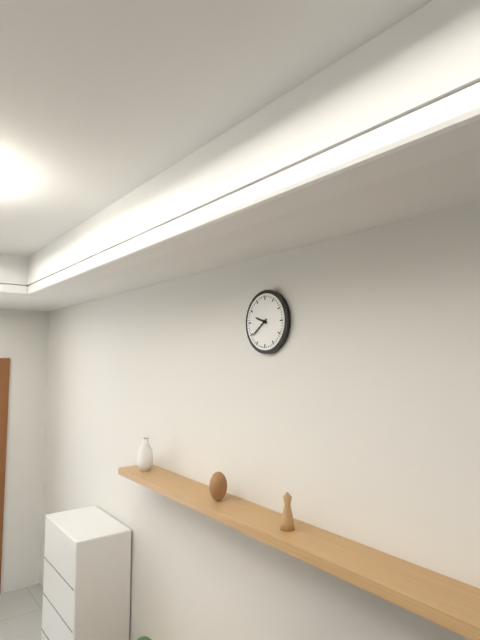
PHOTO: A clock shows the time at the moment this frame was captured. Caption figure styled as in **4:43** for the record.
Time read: **9:39**
